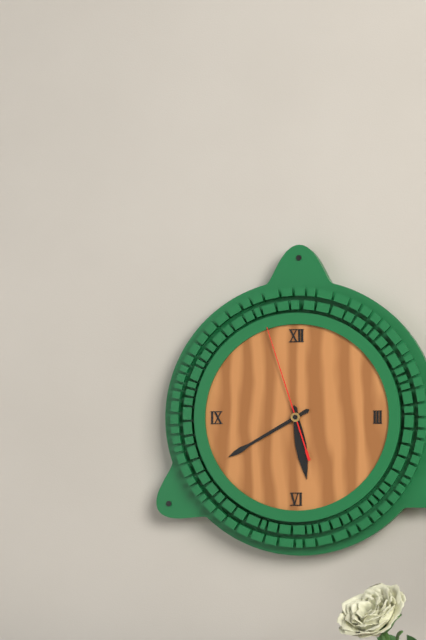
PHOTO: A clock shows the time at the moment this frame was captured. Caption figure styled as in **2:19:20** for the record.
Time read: **5:40:57**
